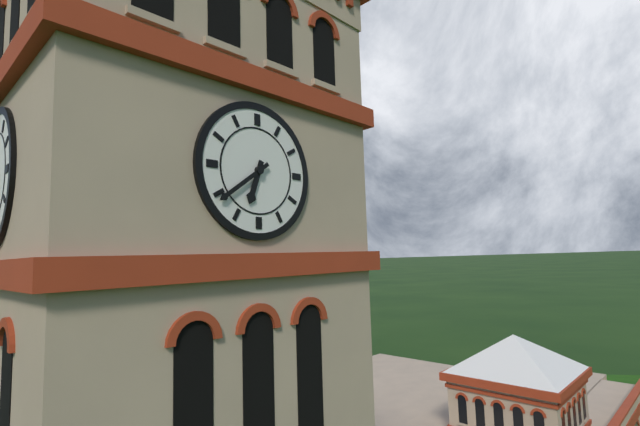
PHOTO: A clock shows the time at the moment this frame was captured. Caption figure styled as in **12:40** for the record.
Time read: **6:39**
